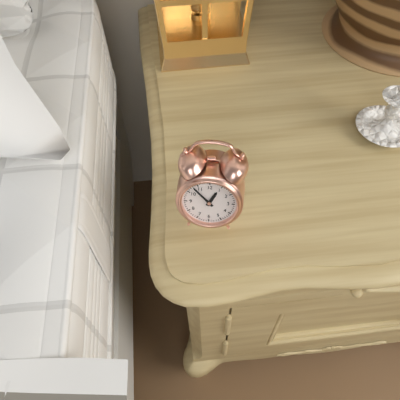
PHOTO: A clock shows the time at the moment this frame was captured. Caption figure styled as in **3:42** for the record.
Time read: **12:53**
